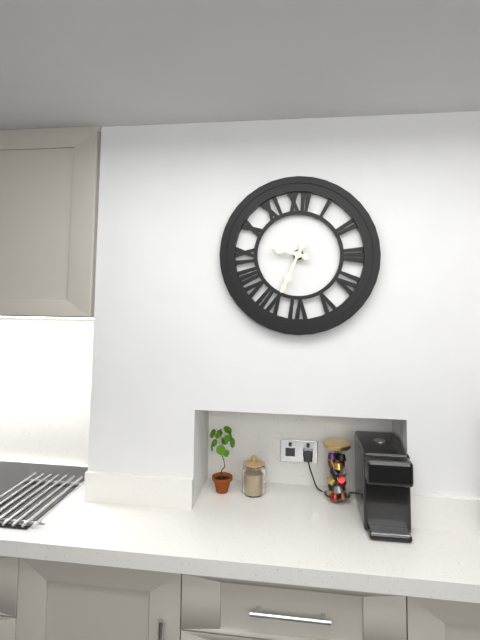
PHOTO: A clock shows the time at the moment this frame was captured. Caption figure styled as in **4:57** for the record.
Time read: **9:34**
